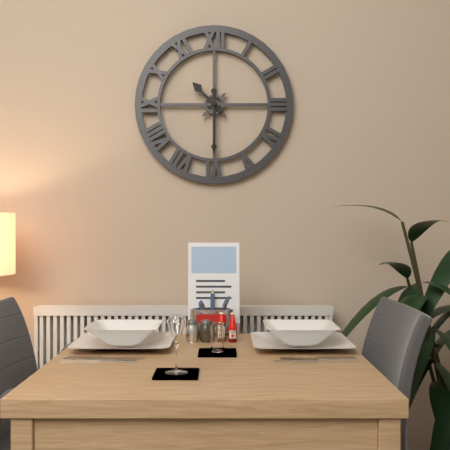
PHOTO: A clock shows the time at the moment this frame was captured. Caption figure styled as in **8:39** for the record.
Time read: **10:30**
